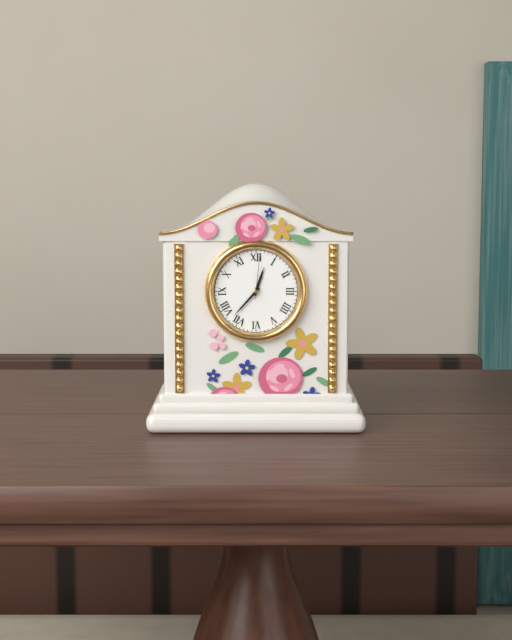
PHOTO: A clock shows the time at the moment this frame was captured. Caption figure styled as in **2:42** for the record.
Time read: **12:37**
